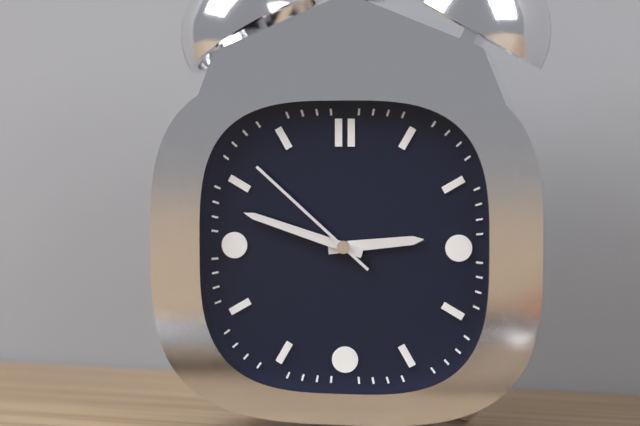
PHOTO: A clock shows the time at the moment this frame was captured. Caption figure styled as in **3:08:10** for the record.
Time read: **2:48:52**
